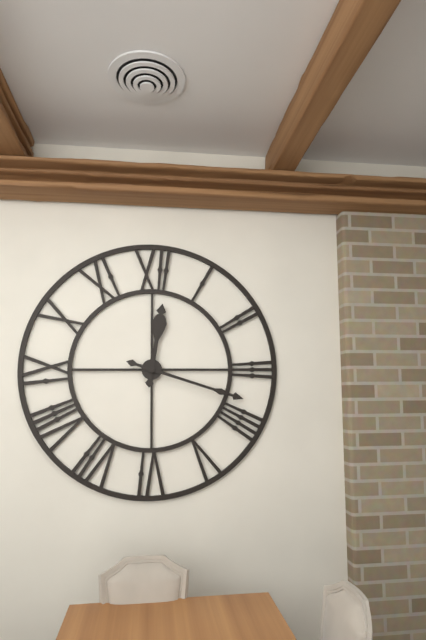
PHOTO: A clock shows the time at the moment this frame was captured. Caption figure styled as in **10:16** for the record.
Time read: **12:18**
